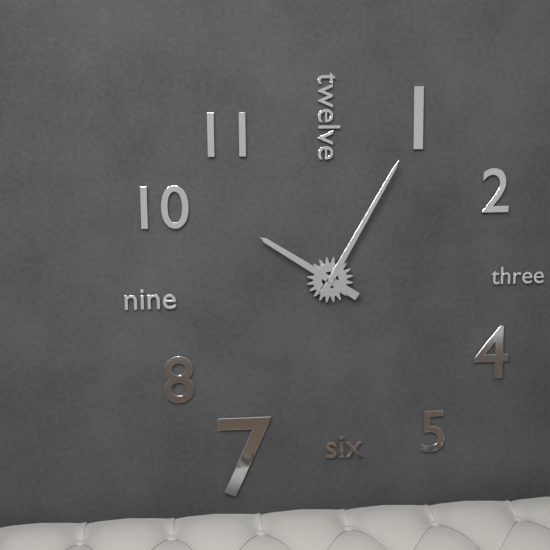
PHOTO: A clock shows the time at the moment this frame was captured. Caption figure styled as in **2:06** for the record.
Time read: **10:05**
